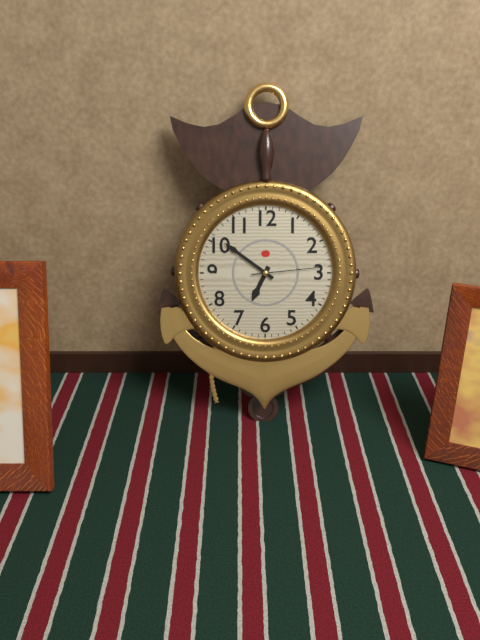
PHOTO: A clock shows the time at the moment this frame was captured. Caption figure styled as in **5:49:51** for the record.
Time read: **6:51:14**
